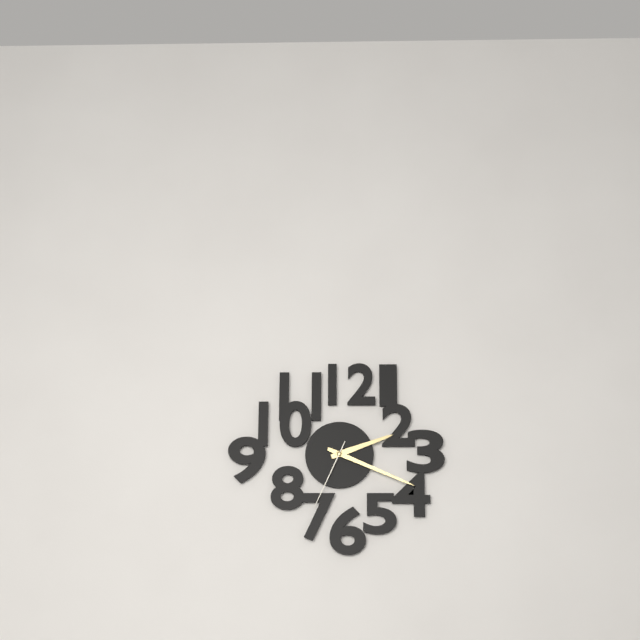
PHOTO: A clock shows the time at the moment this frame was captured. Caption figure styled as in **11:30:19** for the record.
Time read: **2:19:34**
